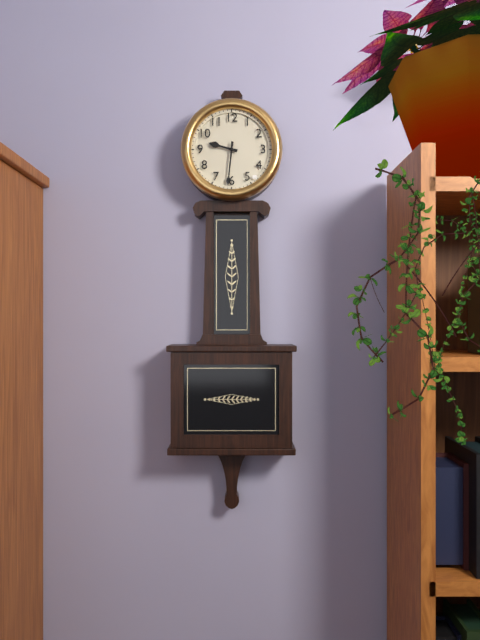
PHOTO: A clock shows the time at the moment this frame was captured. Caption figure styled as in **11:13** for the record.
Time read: **9:31**
